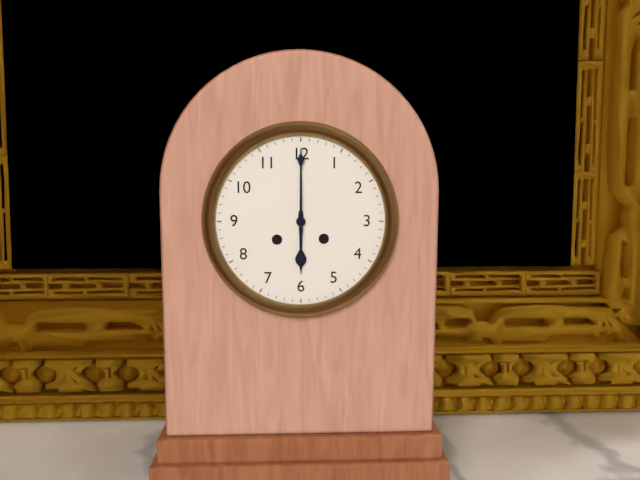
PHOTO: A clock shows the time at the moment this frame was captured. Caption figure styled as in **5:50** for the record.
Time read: **6:00**
